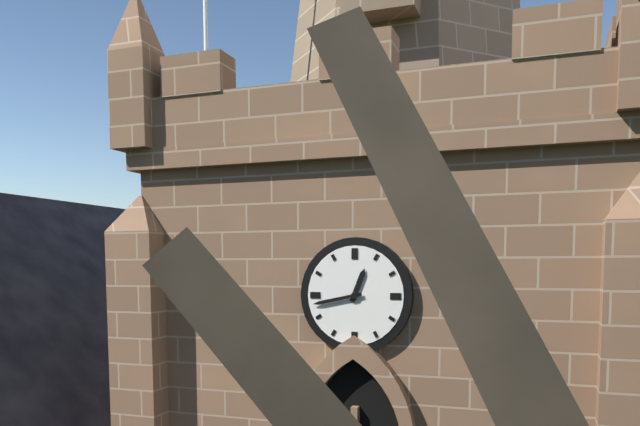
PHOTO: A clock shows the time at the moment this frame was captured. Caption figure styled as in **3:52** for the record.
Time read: **12:43**
